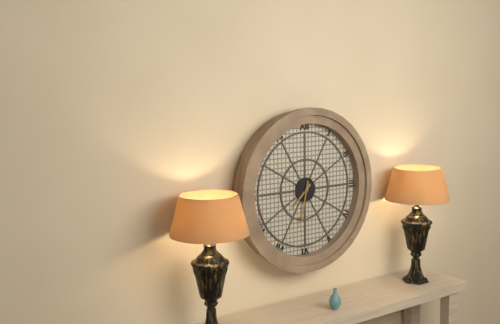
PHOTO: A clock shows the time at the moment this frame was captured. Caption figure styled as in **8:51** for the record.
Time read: **7:32**
